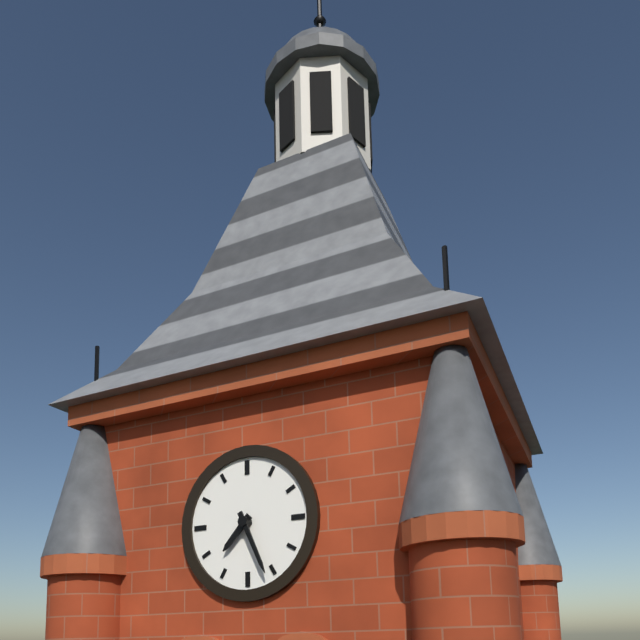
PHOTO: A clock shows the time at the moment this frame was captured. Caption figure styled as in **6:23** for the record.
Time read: **7:26**
